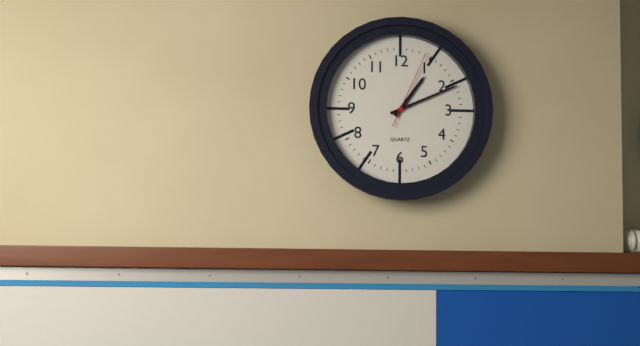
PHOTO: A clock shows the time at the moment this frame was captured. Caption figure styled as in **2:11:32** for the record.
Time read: **1:11:04**
